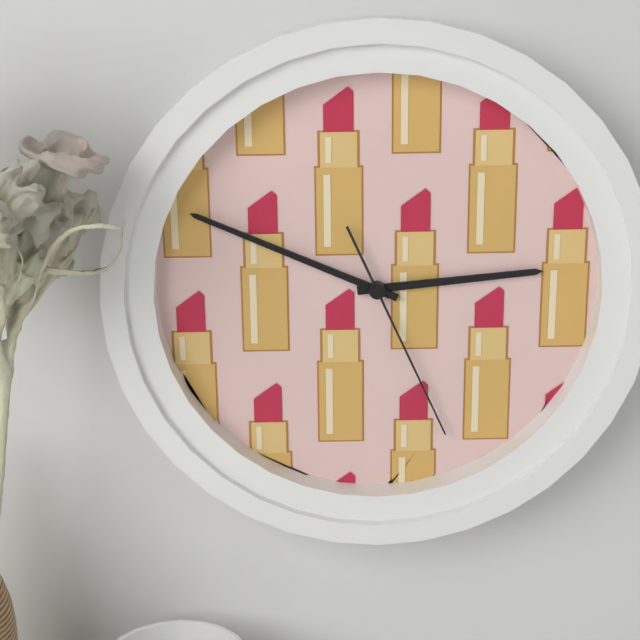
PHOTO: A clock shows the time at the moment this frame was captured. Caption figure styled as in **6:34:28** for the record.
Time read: **2:49:26**
